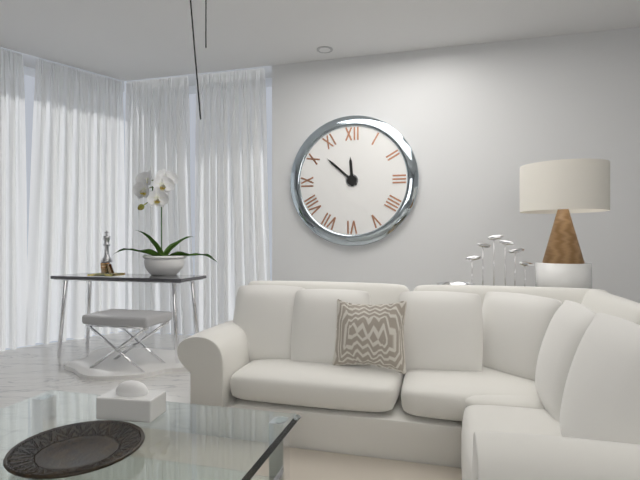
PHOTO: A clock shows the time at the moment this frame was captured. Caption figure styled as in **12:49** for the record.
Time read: **11:52**
